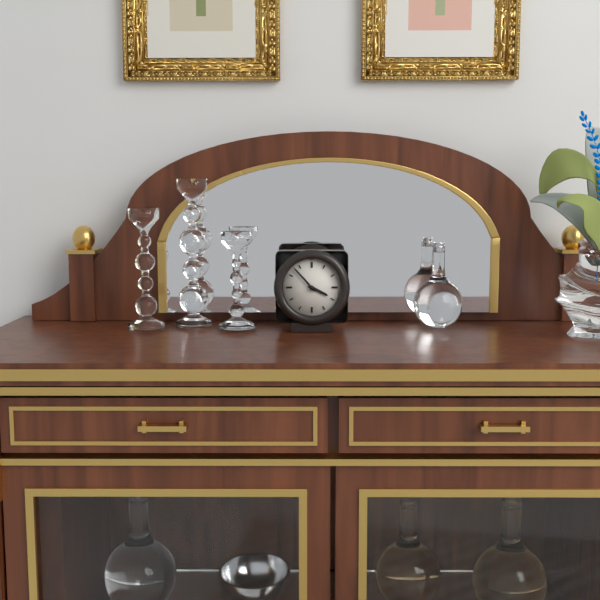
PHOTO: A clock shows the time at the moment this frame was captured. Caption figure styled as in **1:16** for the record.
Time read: **3:53**
